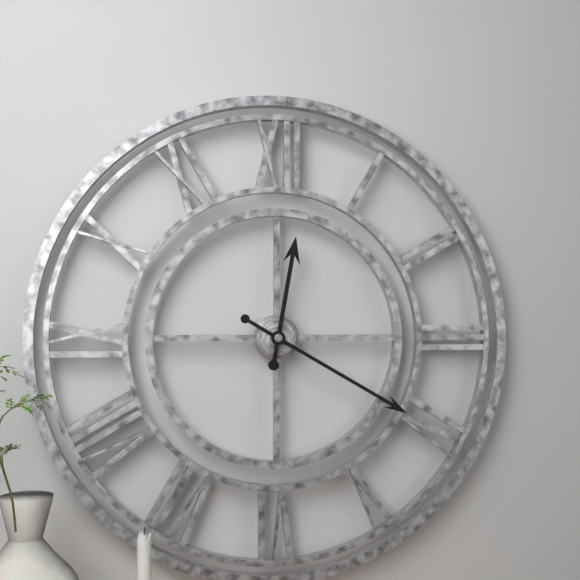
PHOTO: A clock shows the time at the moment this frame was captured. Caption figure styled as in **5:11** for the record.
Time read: **12:20**
